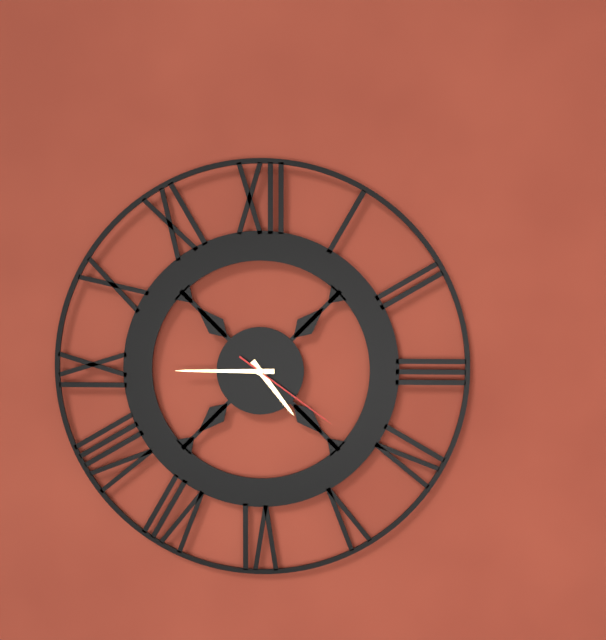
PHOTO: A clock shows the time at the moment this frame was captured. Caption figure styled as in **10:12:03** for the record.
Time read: **4:45:21**
